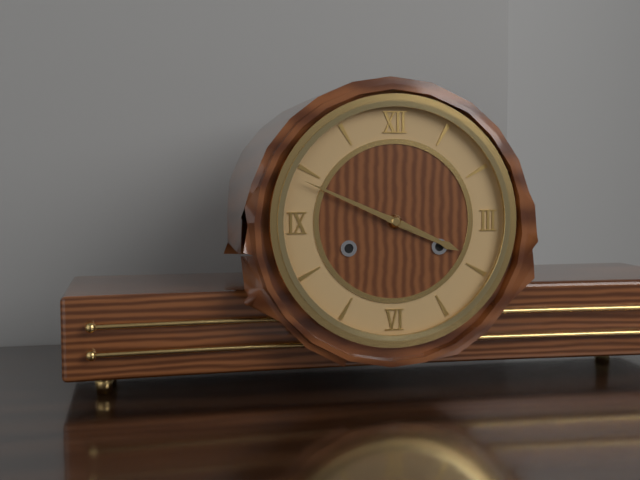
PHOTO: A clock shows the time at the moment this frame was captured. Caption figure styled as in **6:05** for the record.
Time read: **3:49**
